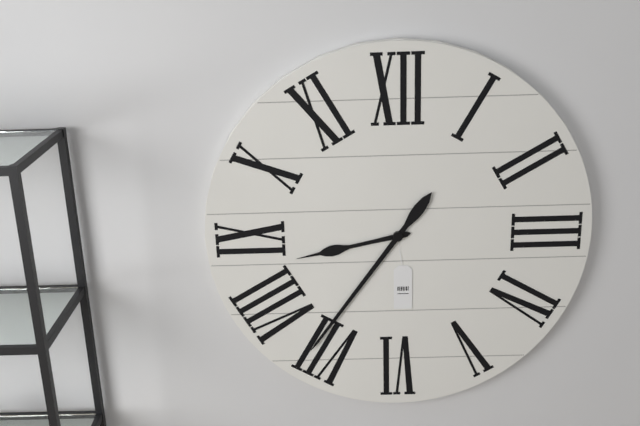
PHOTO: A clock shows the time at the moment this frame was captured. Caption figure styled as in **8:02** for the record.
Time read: **8:36**
